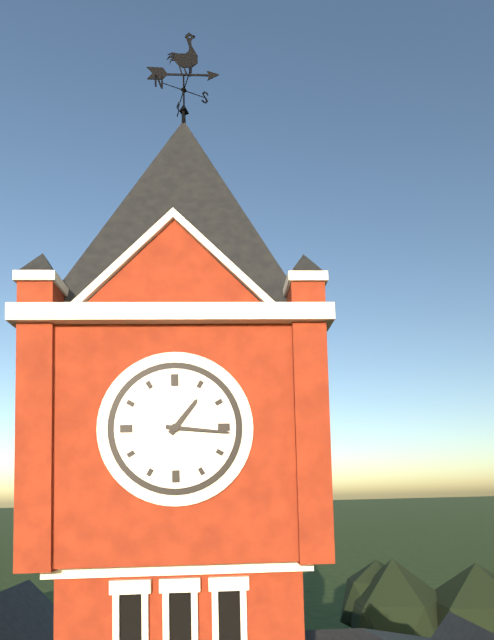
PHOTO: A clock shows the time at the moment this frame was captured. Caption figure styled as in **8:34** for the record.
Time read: **1:16**
